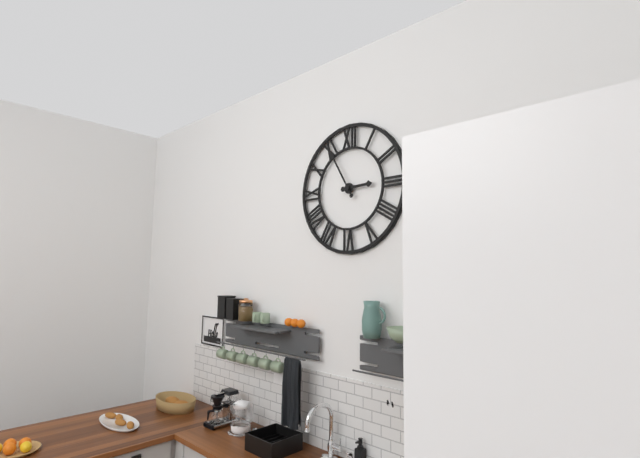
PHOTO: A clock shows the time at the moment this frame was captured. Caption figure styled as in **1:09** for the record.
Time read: **2:55**
